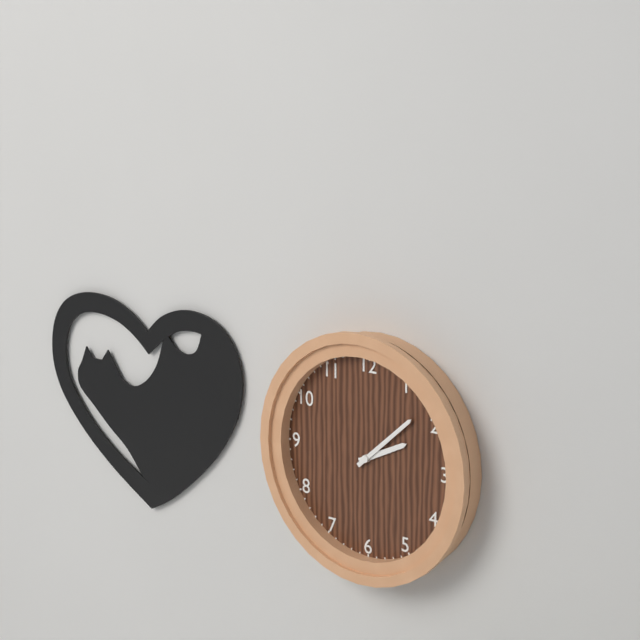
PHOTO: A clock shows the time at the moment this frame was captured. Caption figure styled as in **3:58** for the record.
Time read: **2:08**
